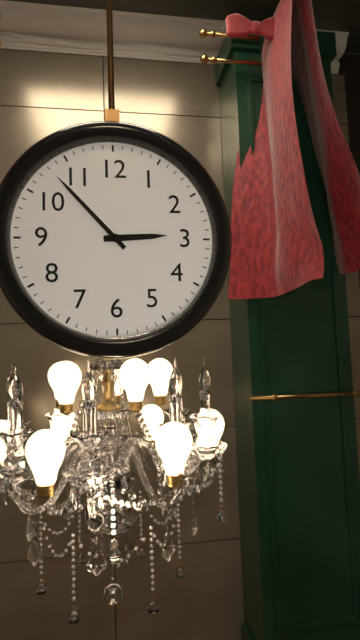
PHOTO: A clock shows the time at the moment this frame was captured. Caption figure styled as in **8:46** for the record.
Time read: **2:53**
